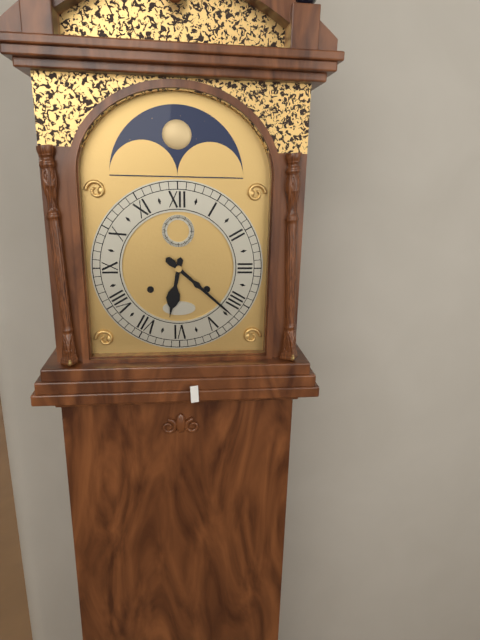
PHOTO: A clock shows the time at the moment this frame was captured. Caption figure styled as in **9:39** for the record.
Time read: **6:22**
